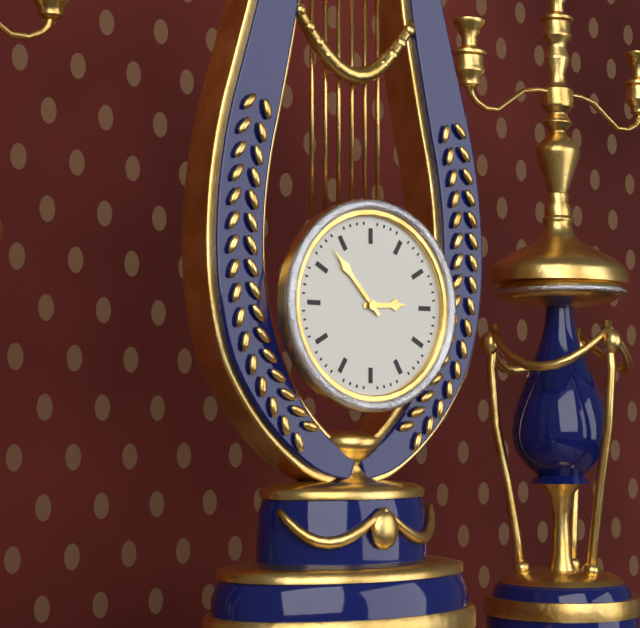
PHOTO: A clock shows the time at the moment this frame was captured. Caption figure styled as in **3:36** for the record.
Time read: **2:53**
